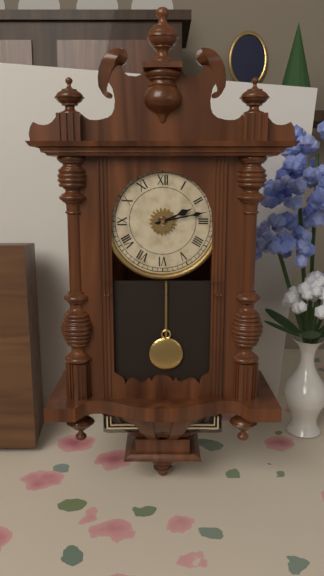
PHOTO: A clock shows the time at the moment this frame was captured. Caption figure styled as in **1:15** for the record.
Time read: **2:13**
